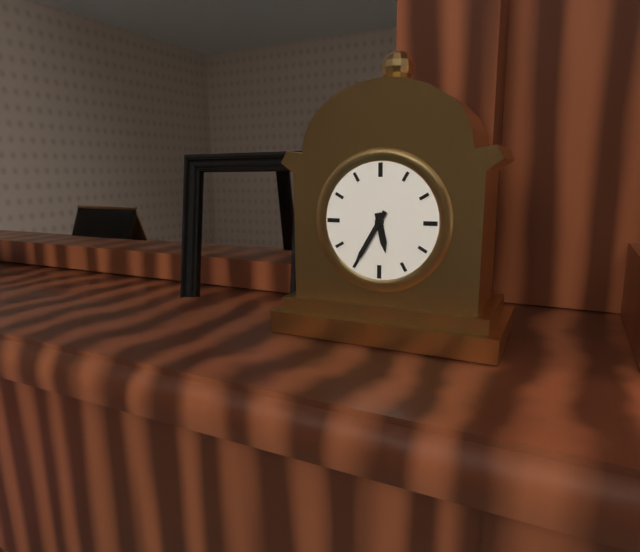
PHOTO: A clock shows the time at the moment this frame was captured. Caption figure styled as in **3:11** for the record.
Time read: **5:35**
